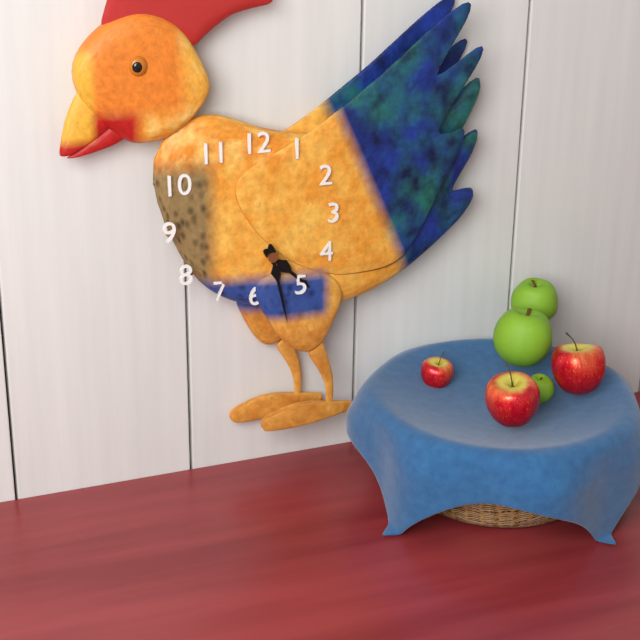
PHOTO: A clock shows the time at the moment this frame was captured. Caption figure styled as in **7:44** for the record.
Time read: **4:28**
